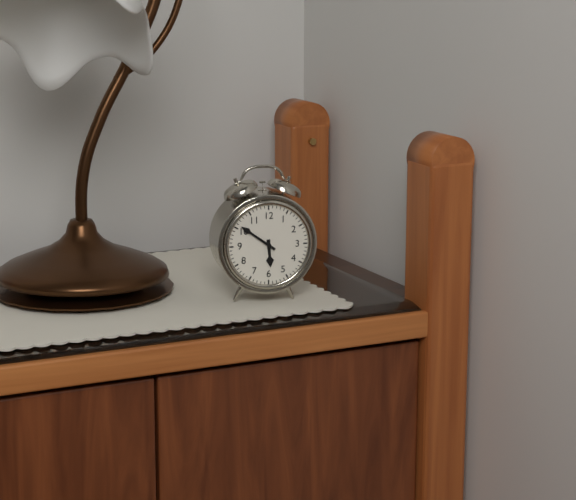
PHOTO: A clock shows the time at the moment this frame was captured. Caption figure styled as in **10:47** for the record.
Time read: **5:51**
